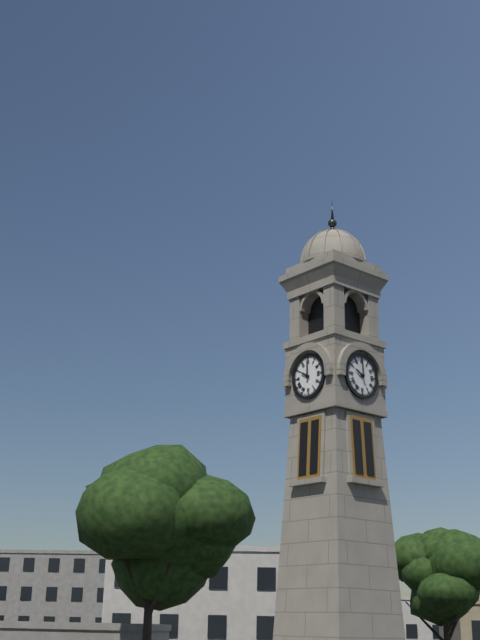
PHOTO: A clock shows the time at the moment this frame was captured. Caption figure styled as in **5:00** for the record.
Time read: **10:00**
